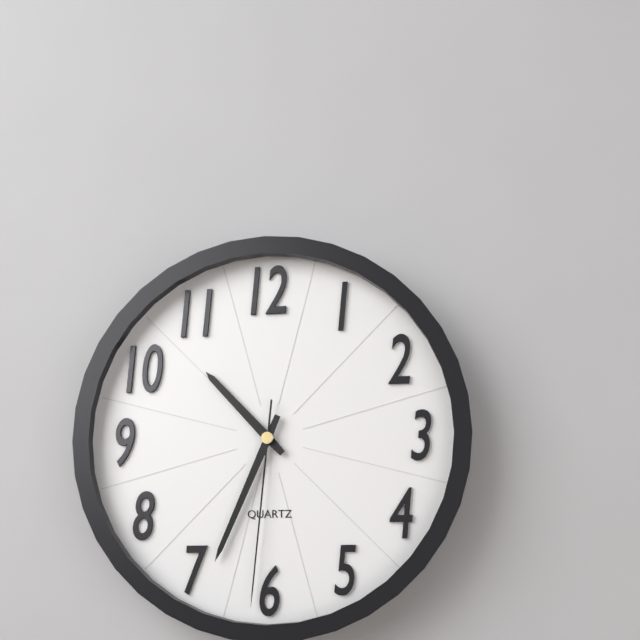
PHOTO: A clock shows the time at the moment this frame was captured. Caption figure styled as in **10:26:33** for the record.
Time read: **10:34:31**
